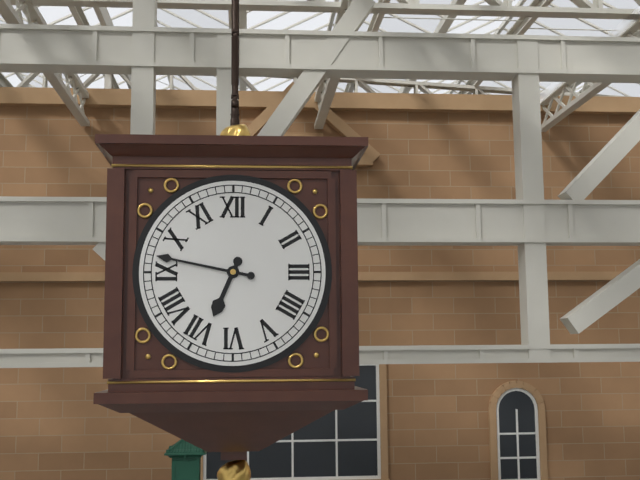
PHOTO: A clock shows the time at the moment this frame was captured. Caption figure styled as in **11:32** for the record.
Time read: **6:47**
